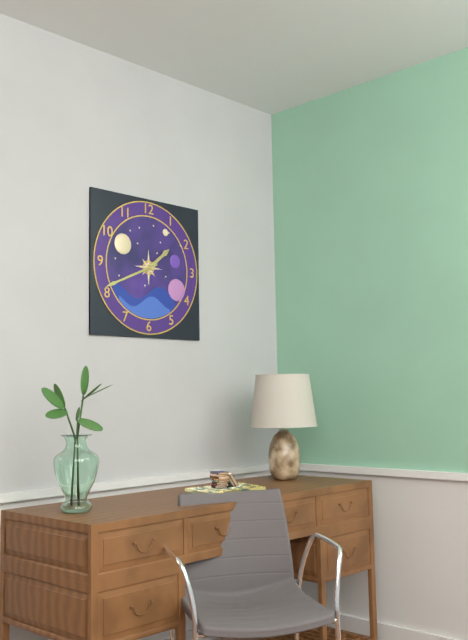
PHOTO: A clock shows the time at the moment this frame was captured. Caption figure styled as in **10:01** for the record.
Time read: **1:41**
